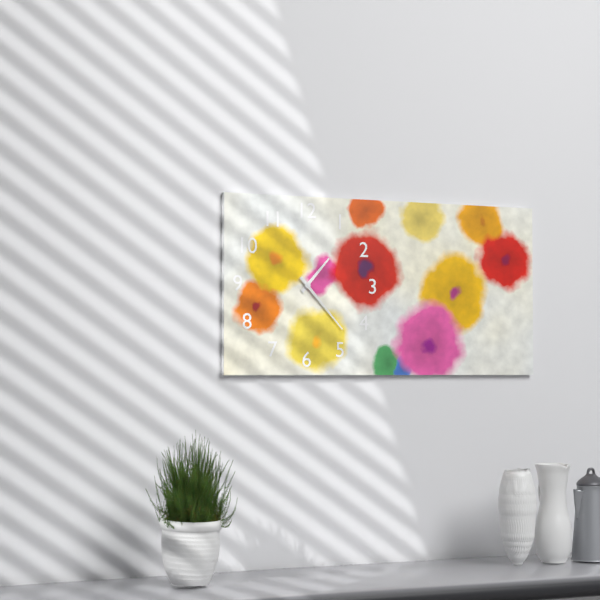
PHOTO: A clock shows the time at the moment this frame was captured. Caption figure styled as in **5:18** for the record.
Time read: **1:23**
